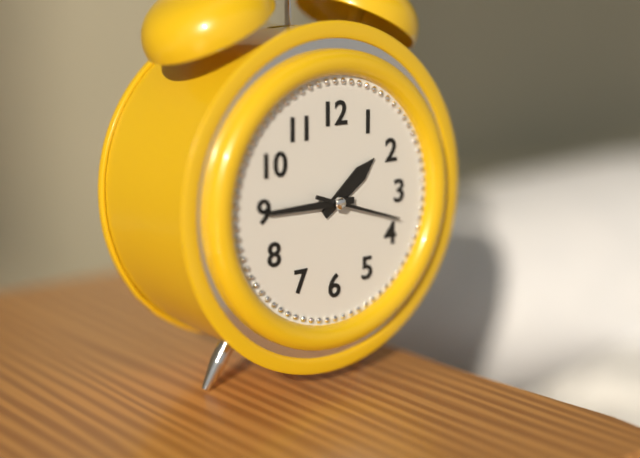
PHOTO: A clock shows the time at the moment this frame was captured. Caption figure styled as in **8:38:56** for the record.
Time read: **1:45:18**
